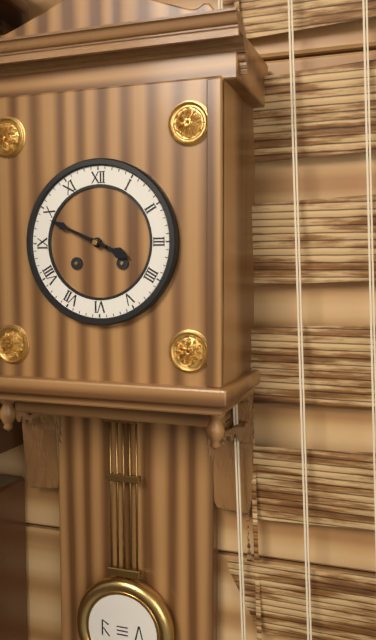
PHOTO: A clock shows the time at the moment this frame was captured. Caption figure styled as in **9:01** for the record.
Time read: **3:49**
